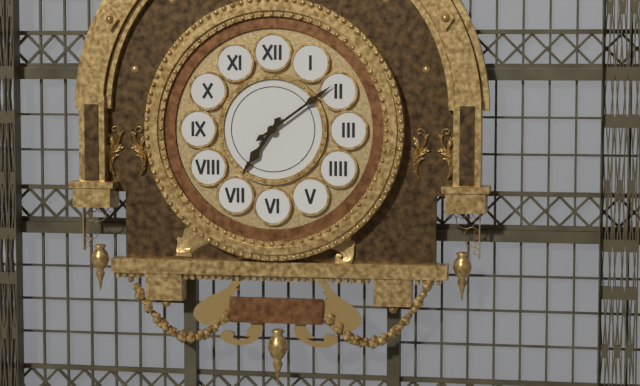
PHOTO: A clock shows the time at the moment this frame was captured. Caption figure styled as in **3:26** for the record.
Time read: **7:09**
